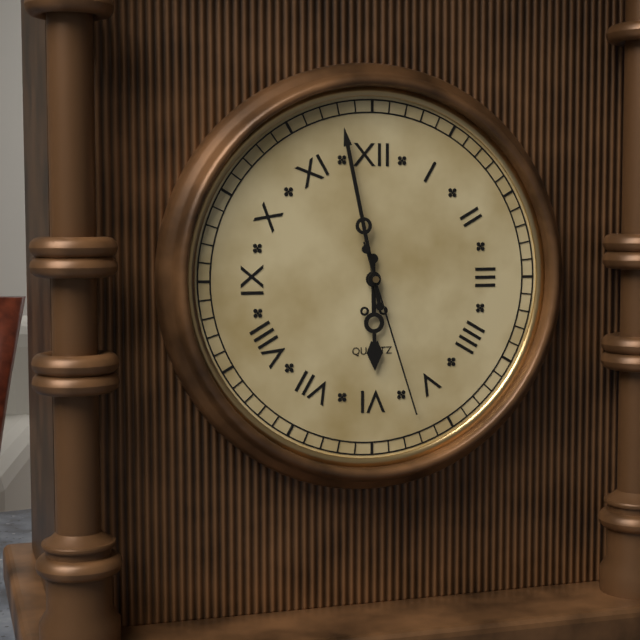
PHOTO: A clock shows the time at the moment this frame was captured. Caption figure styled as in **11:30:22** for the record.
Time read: **5:58:27**
